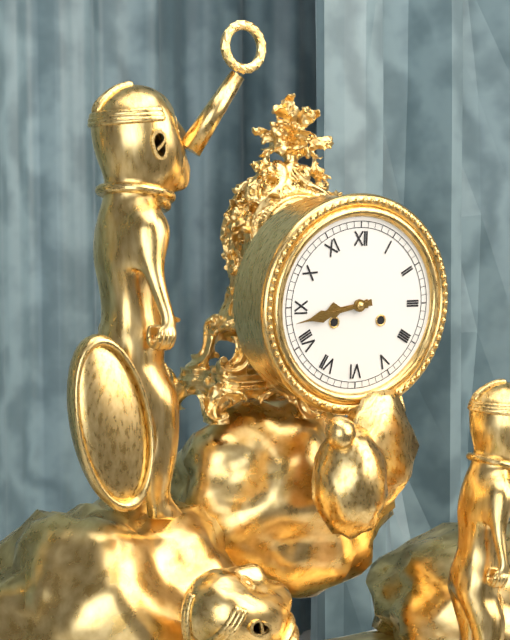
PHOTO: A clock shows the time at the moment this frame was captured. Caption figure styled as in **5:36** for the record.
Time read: **8:43**
